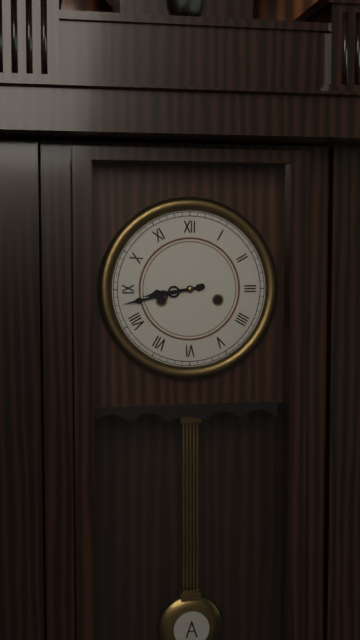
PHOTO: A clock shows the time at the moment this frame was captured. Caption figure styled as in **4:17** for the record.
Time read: **8:43**
